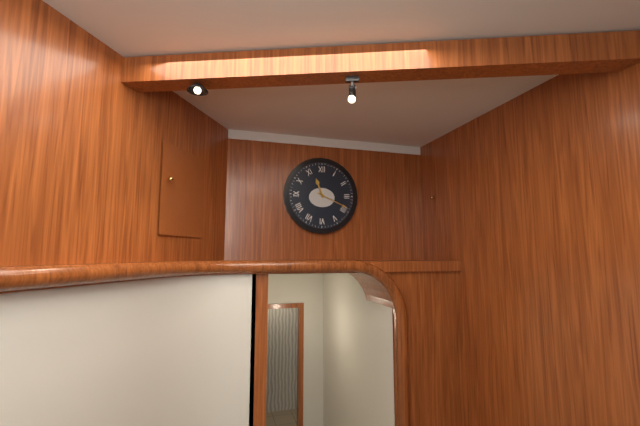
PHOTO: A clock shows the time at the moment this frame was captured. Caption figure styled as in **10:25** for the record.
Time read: **11:19**
